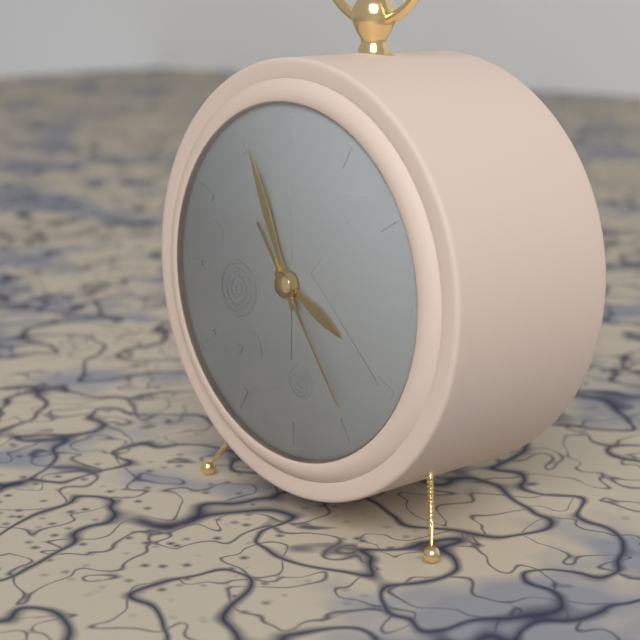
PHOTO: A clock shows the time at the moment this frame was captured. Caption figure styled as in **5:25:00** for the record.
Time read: **3:56:24**
